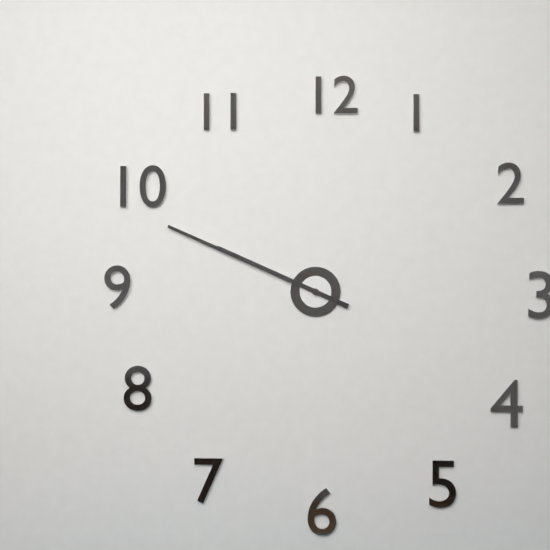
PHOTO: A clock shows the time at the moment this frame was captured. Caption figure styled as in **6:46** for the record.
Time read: **9:49**
